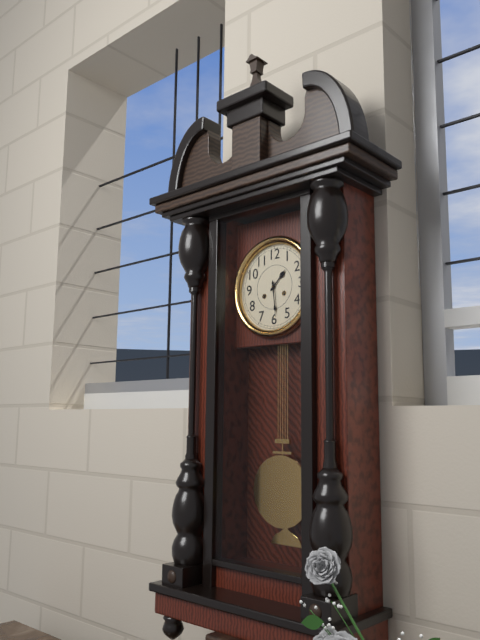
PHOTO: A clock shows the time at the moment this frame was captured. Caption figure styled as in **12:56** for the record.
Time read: **1:29**
